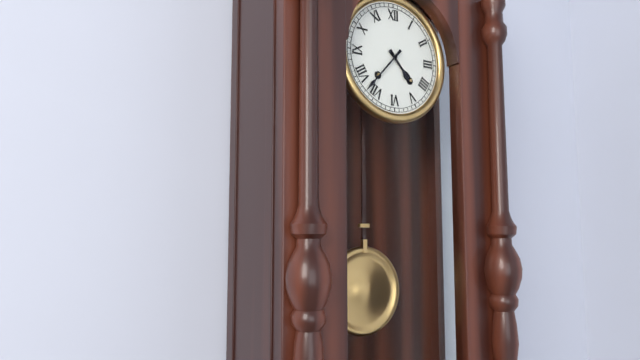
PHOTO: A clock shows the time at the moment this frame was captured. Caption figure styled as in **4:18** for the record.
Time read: **4:37**
